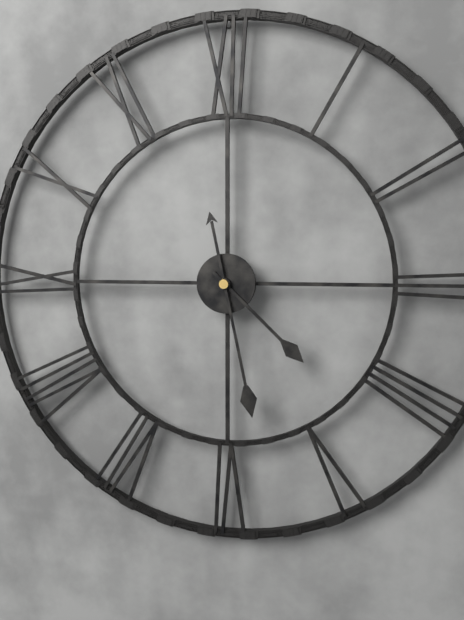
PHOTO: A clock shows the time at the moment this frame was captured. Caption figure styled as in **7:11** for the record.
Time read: **4:28**
